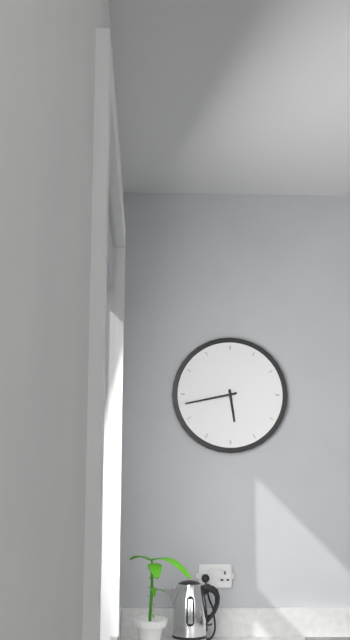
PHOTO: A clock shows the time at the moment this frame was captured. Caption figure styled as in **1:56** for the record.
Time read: **5:43**
